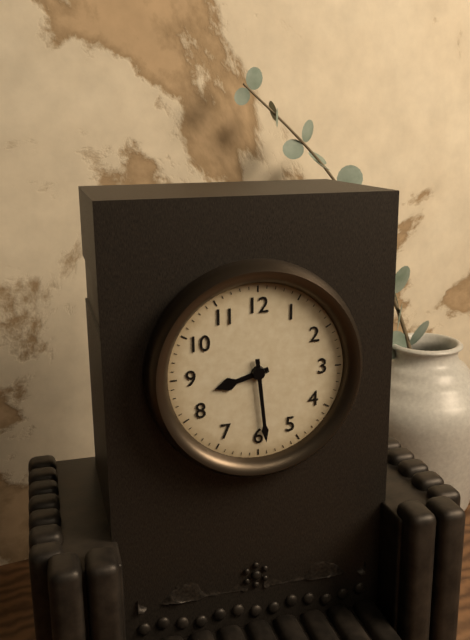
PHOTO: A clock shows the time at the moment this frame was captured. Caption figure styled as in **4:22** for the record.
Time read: **8:29**
